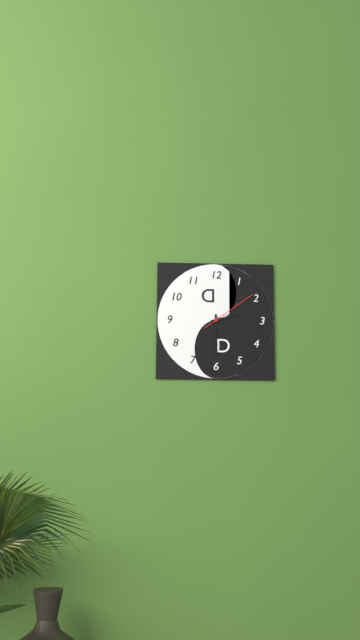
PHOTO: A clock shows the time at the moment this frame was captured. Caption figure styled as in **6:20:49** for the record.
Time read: **2:30:09**
